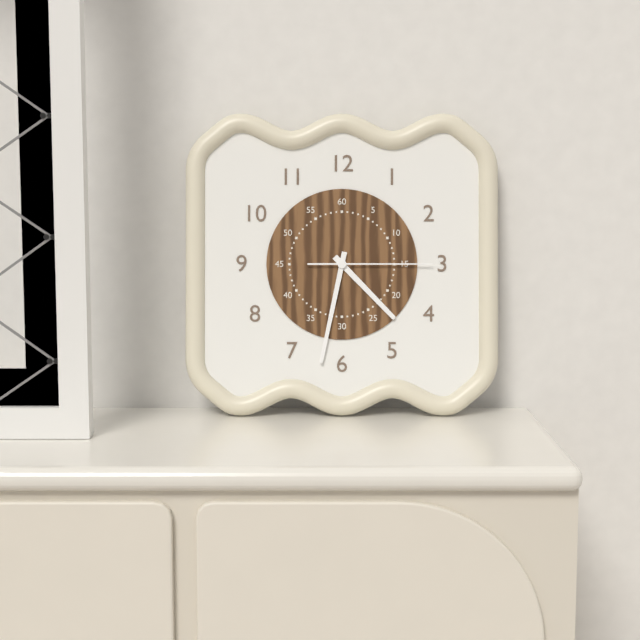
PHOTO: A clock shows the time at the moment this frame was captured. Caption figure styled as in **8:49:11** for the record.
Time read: **4:32:15**
